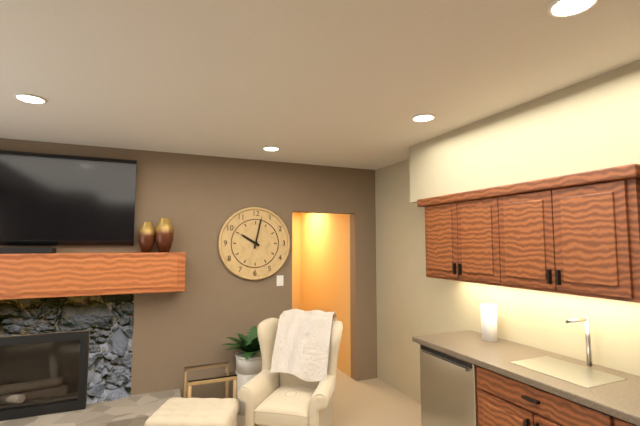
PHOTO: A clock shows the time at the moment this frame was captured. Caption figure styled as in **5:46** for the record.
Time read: **10:02**
